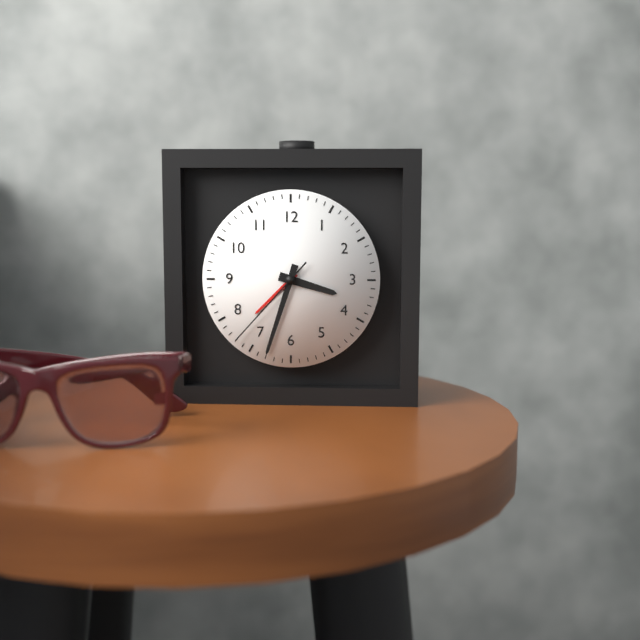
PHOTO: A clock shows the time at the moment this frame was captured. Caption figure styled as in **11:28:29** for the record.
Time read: **3:33:37**
